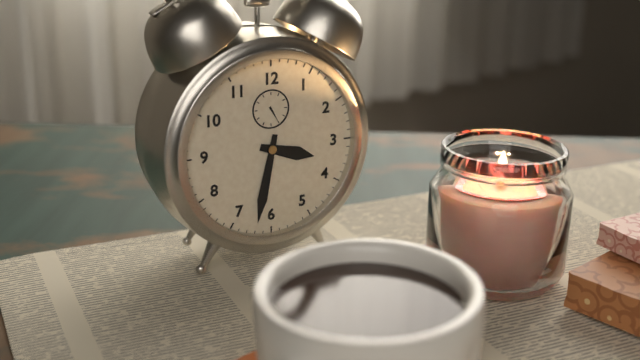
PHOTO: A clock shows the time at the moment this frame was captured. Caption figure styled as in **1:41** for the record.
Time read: **3:32**
